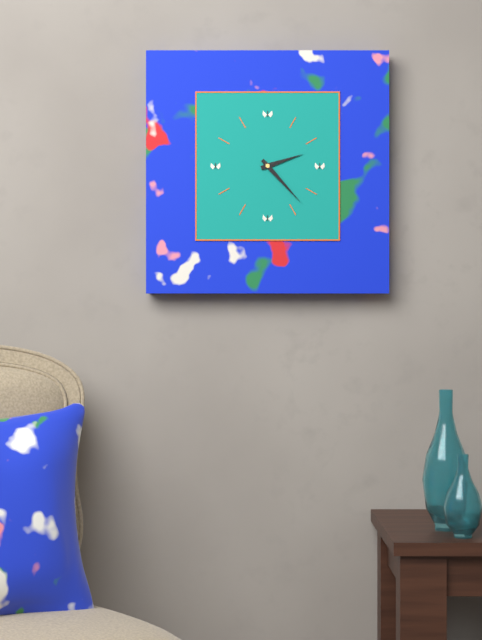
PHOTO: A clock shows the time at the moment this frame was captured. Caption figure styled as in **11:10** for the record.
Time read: **2:23**
